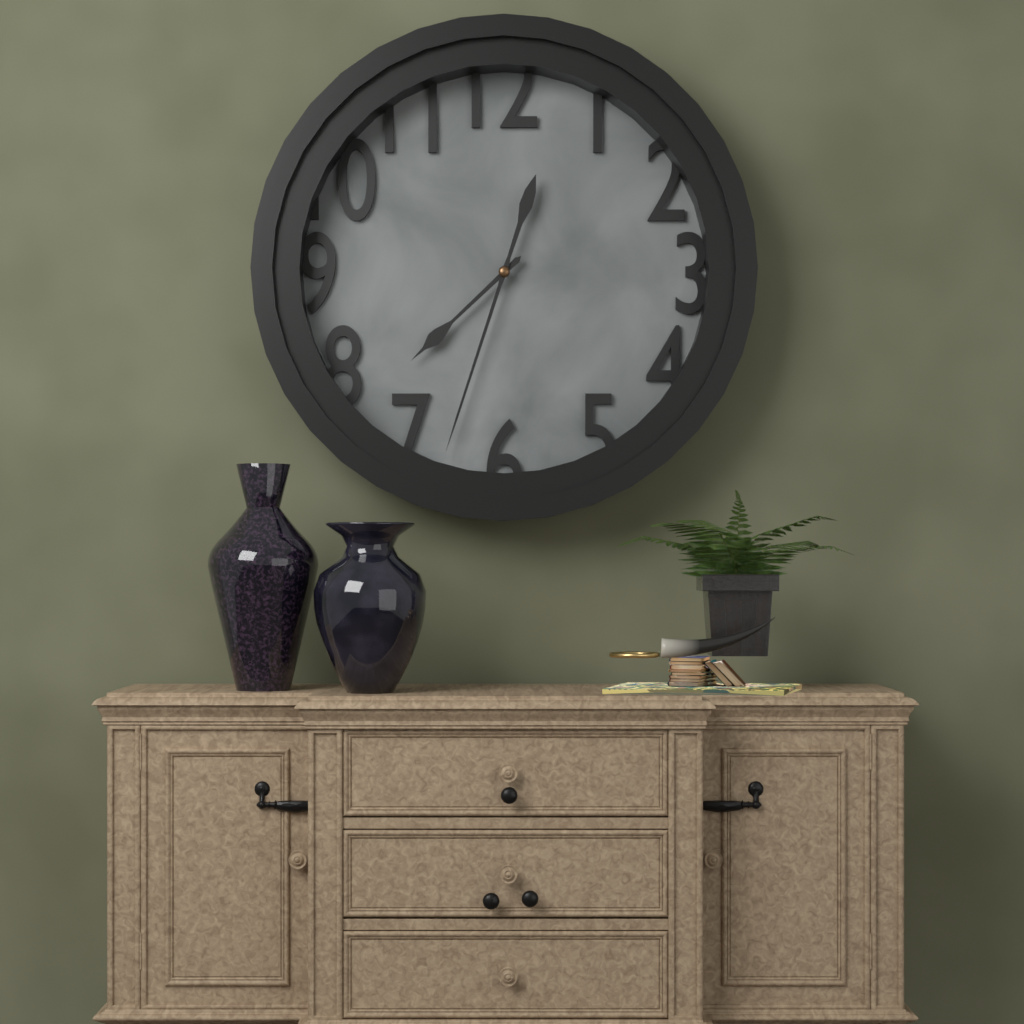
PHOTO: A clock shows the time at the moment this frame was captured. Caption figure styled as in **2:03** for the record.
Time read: **7:33**
